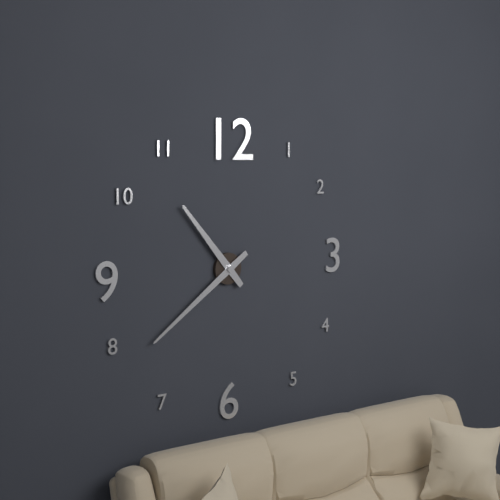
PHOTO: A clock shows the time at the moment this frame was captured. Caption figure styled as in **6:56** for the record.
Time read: **10:39**
